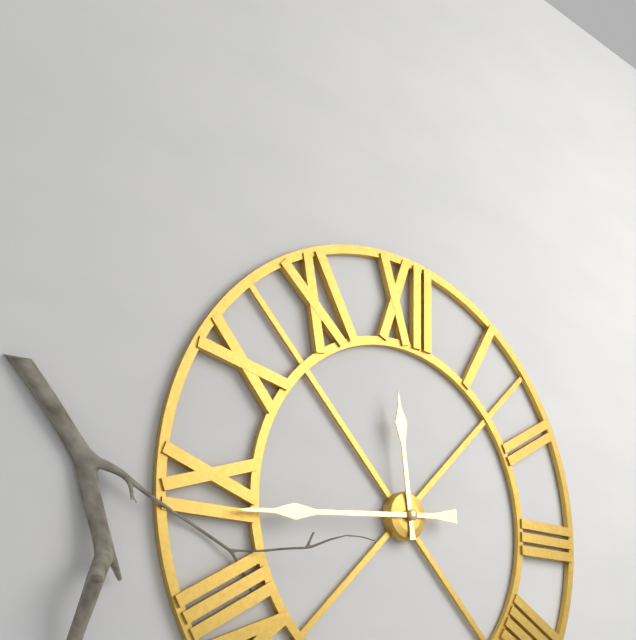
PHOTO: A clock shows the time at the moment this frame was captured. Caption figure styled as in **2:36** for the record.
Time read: **11:44**
